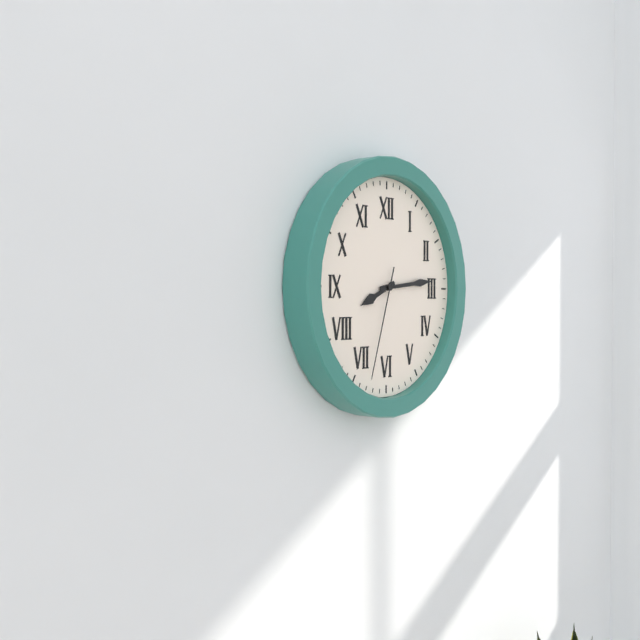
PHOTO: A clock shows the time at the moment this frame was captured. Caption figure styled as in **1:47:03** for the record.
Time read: **8:14:33**
